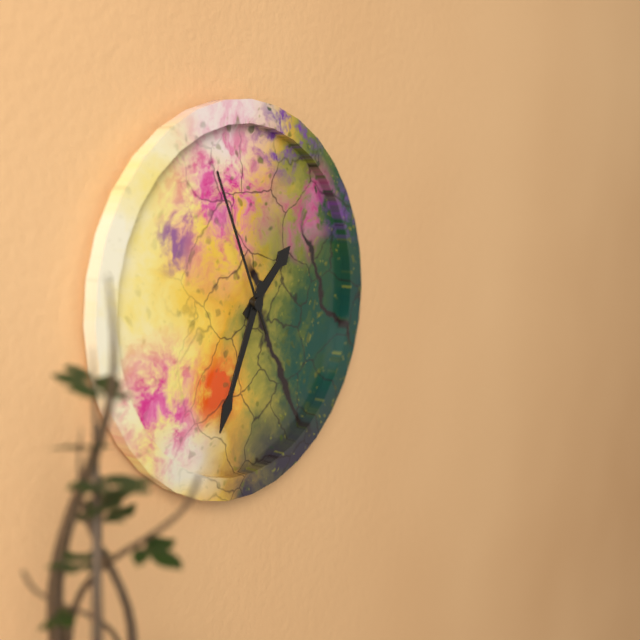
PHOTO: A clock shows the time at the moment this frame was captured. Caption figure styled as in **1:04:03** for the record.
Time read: **1:34:56**
